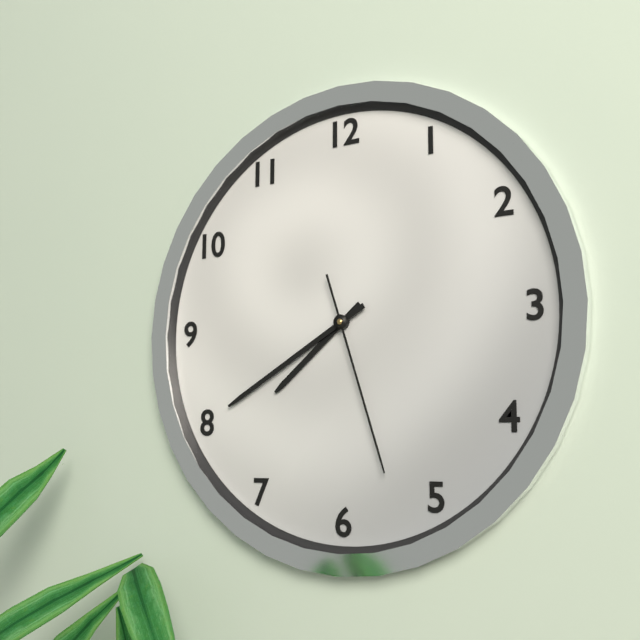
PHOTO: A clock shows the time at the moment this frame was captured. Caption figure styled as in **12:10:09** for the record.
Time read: **7:40:27**
